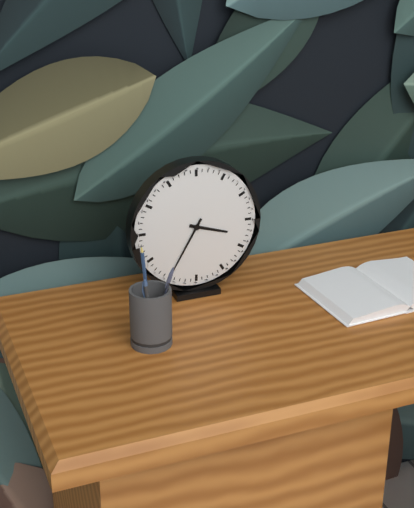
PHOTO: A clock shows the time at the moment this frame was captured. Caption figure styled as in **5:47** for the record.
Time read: **3:35**
